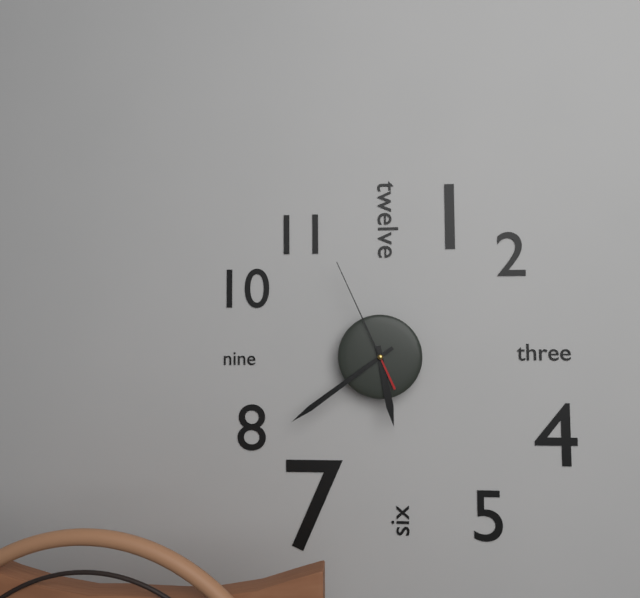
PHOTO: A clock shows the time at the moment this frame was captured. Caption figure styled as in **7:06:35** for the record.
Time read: **5:39:56**
